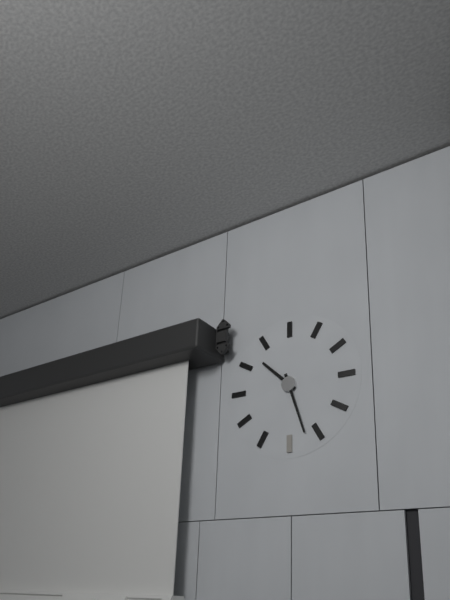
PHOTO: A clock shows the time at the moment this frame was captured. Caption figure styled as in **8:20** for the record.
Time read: **10:27**
